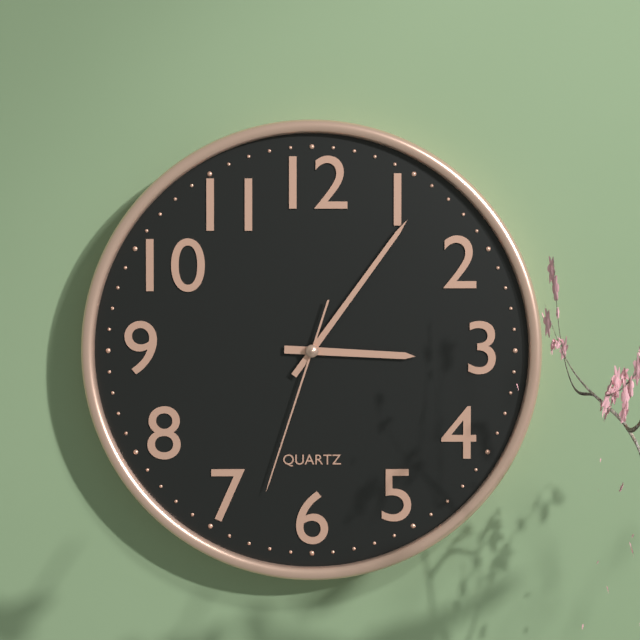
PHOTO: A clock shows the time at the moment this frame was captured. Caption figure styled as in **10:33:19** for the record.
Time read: **3:06:33**
